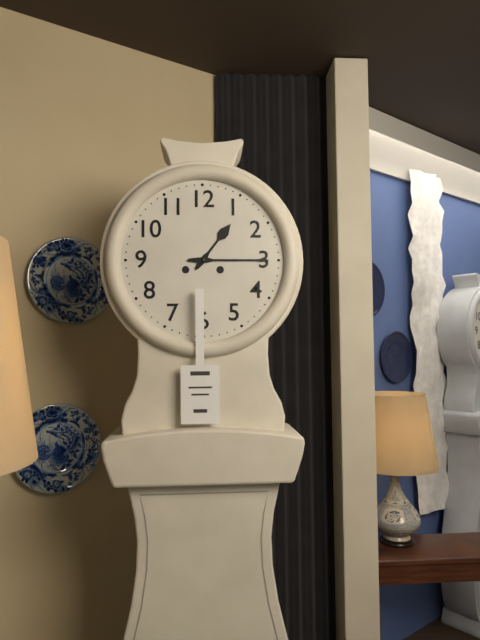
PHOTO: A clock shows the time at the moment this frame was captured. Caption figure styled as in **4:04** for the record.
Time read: **1:15**
